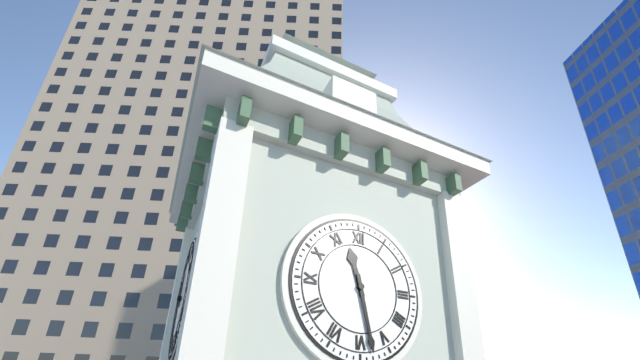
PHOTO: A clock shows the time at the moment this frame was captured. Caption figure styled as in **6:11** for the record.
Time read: **11:28**
